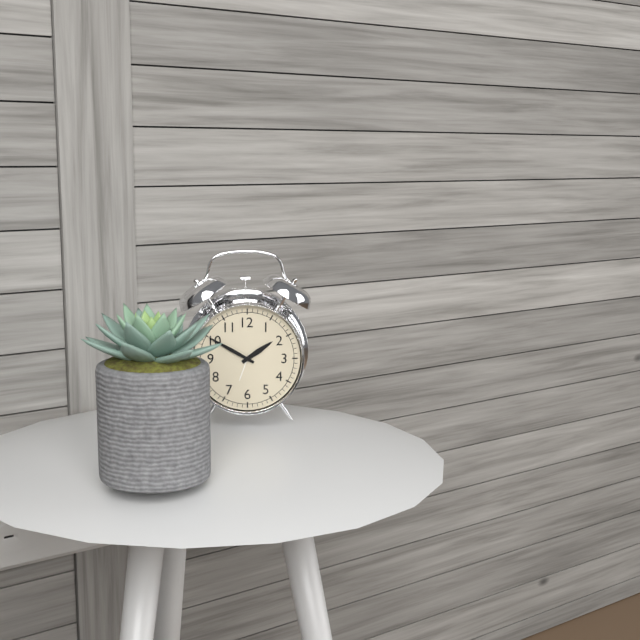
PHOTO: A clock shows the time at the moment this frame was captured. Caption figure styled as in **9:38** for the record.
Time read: **1:50**
